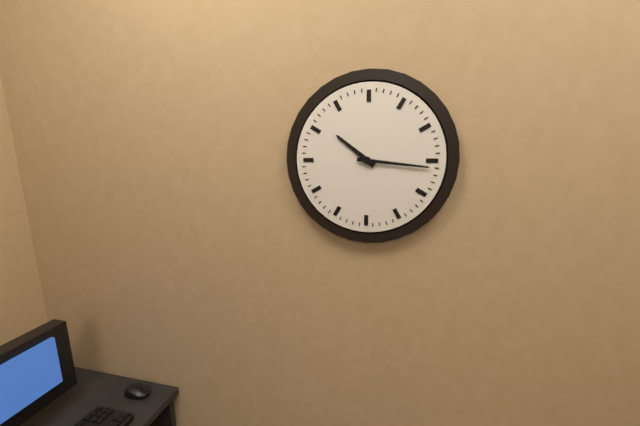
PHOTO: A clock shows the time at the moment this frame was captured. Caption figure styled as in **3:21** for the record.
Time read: **10:16**
